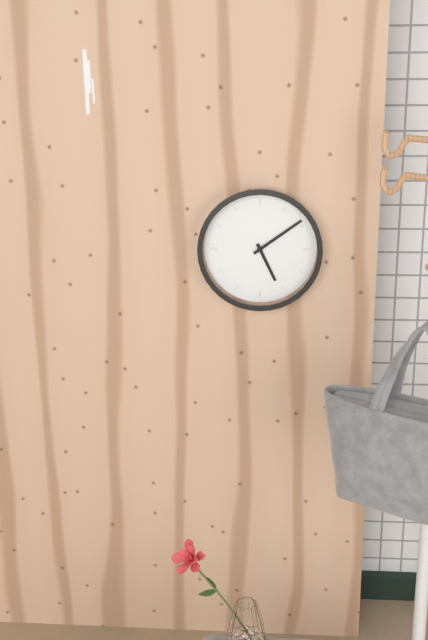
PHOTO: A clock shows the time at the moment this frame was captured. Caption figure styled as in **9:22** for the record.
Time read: **5:09**
